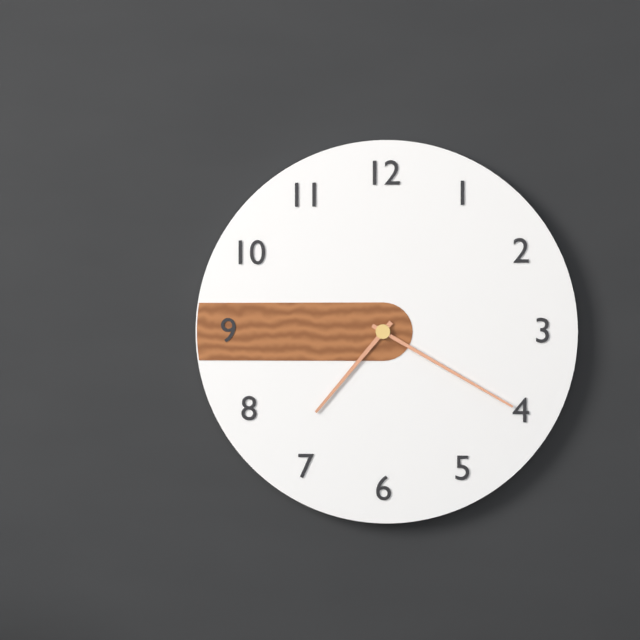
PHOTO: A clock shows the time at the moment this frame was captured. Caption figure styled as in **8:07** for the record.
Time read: **7:20**
